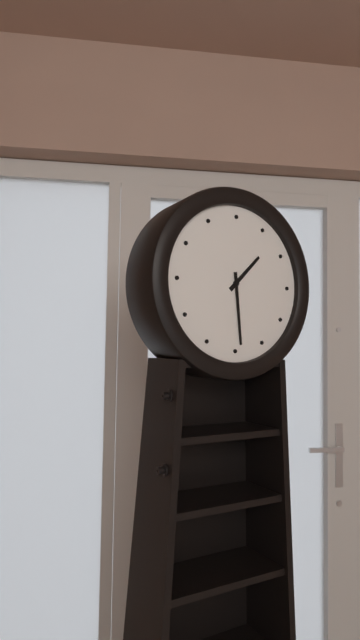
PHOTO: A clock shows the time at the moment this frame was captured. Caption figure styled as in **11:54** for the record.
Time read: **1:29**
